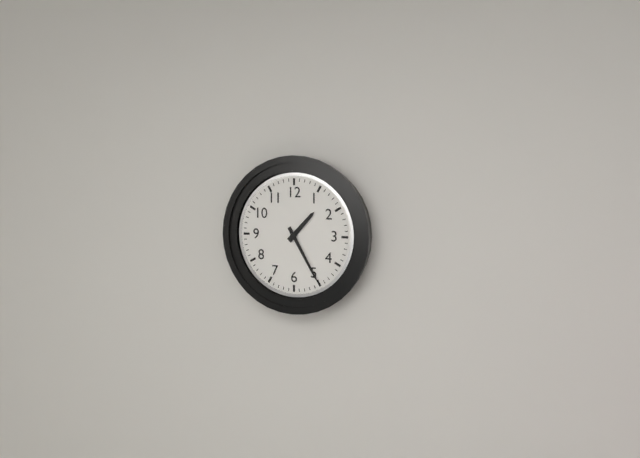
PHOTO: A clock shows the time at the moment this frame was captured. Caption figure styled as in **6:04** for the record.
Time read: **1:25**
